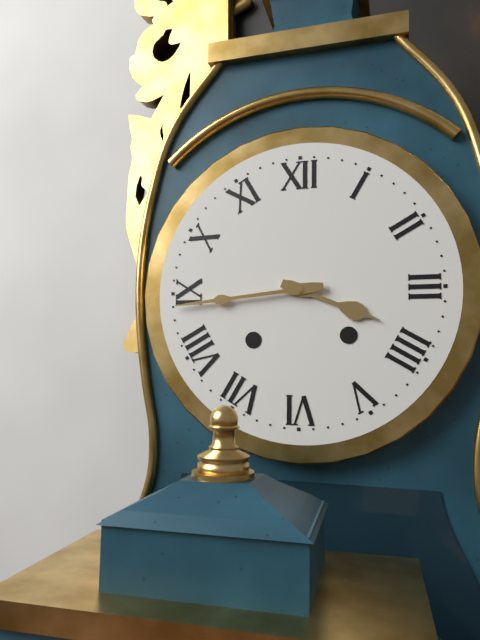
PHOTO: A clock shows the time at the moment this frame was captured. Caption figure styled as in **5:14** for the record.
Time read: **3:44**
